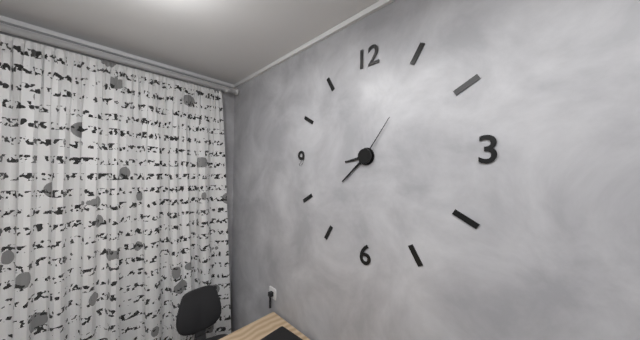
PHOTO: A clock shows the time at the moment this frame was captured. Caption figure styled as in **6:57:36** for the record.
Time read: **8:38:06**
